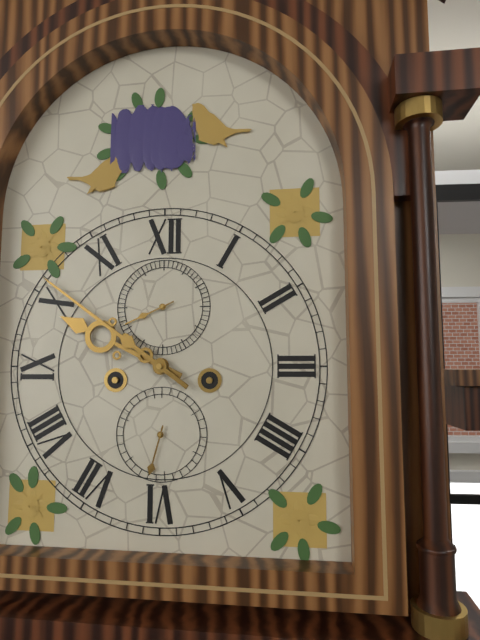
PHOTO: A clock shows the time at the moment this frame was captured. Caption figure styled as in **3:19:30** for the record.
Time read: **9:51:41**
